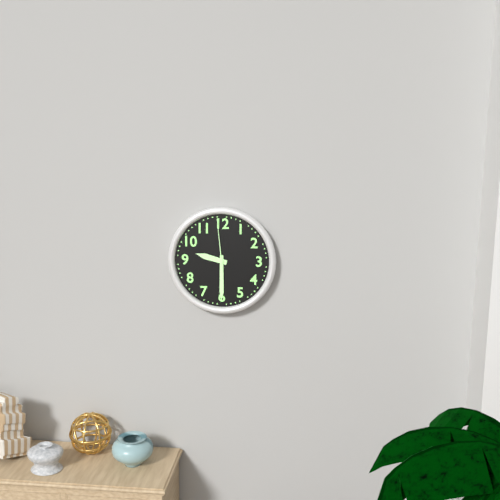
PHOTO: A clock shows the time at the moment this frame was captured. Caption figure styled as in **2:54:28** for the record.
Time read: **9:30:59**
